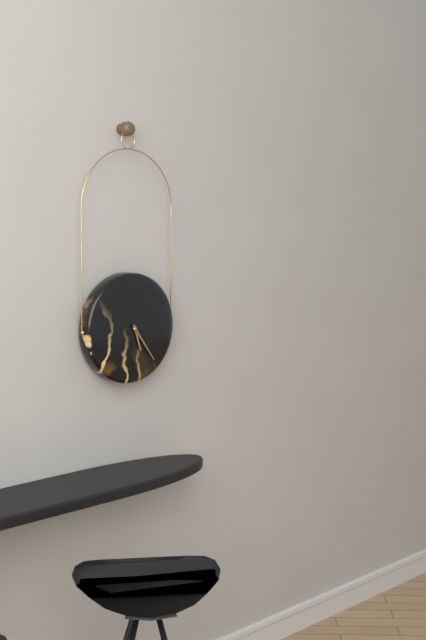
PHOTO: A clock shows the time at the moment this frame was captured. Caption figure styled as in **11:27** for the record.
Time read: **5:24**
